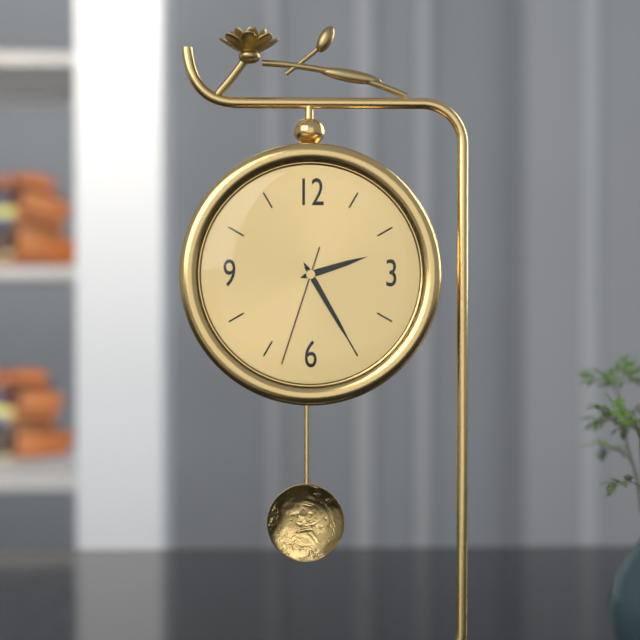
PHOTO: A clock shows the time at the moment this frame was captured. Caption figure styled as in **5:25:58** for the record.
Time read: **2:25:33**
